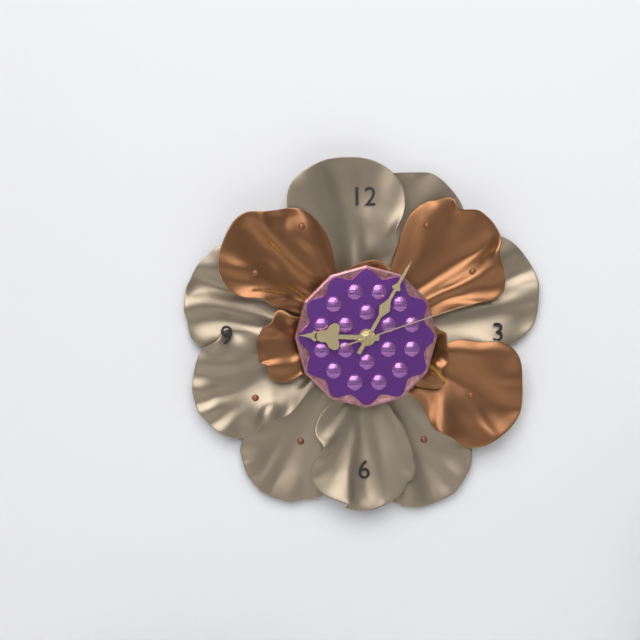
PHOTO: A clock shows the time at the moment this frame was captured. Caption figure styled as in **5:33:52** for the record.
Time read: **9:05:12**
